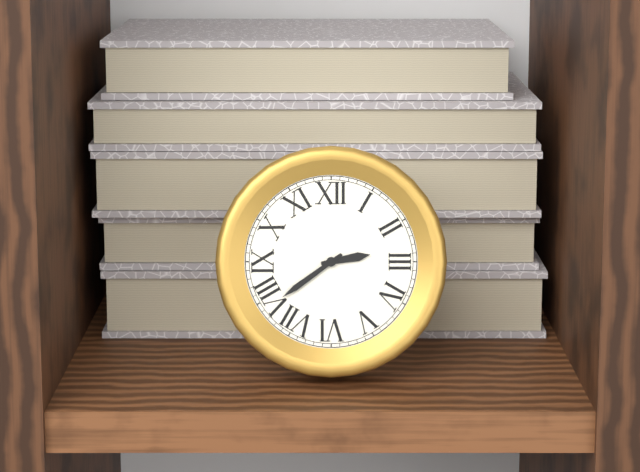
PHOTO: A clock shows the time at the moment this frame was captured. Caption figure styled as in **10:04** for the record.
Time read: **2:39**
